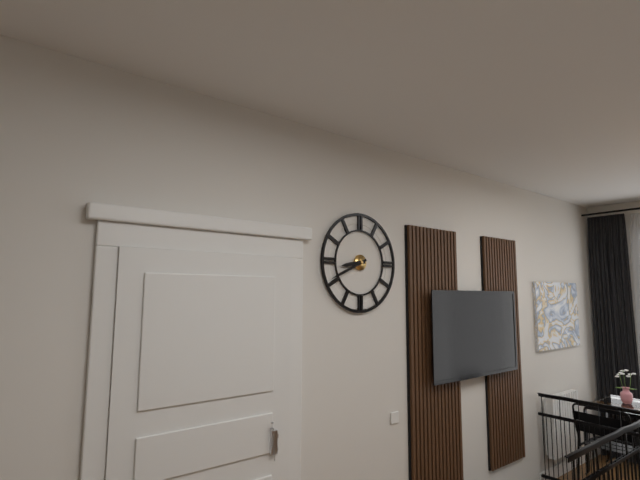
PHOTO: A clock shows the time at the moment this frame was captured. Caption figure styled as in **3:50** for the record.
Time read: **8:41**
